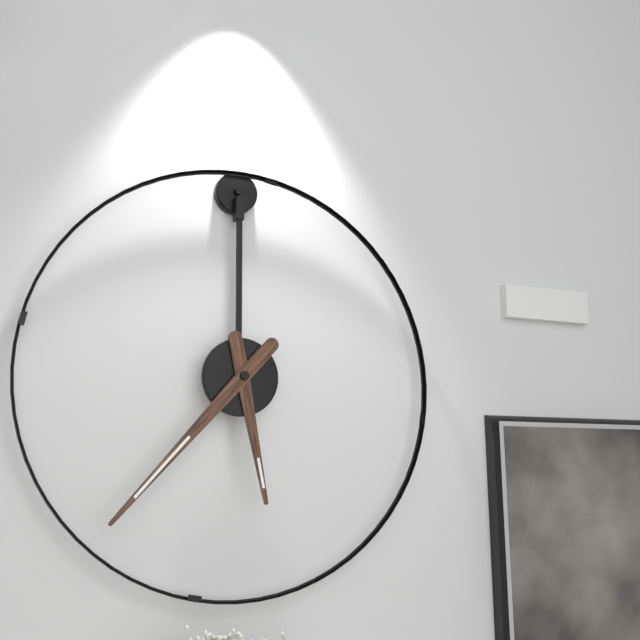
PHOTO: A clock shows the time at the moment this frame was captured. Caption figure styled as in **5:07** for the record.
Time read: **5:37**
